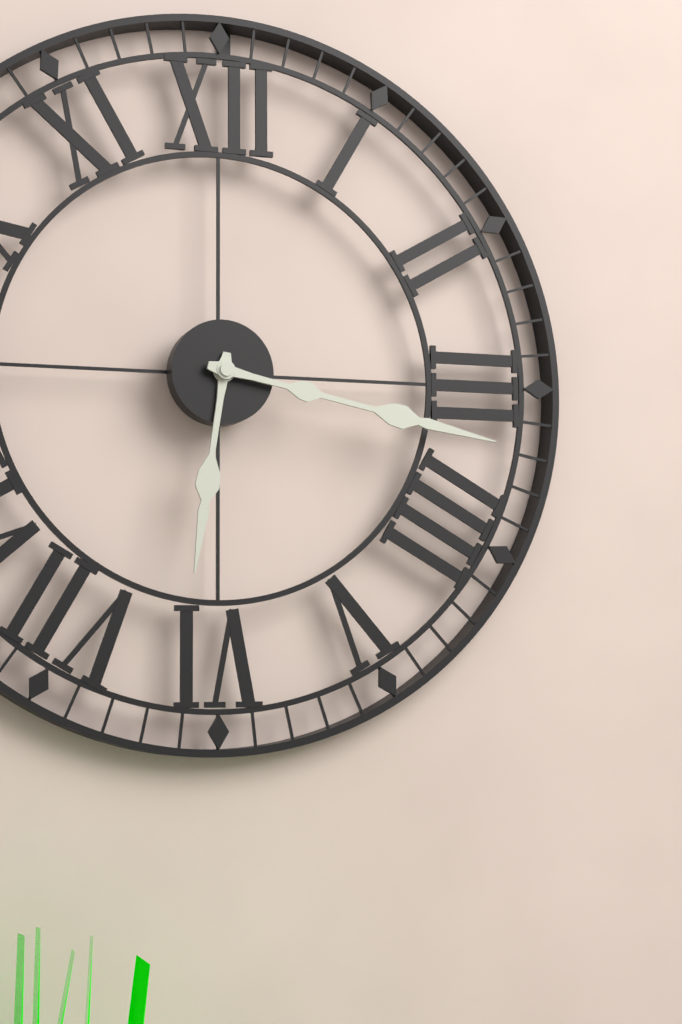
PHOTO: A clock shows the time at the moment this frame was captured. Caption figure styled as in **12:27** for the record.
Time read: **6:17**
